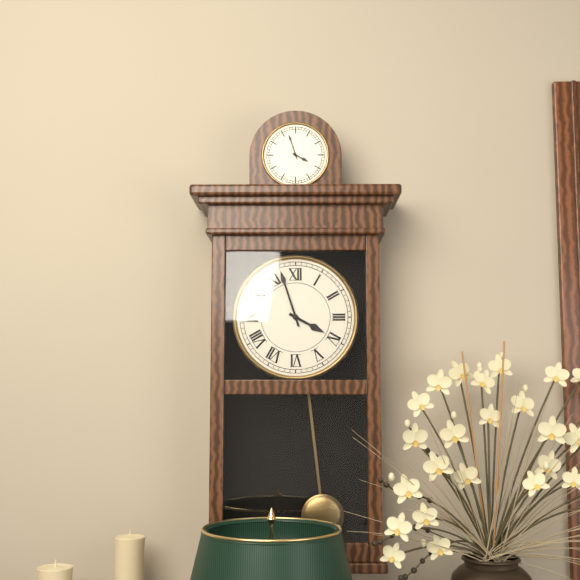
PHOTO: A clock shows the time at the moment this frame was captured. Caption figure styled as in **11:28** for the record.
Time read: **3:57**
